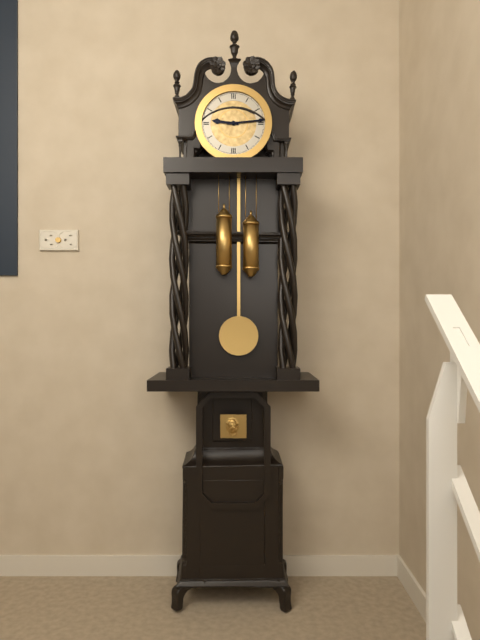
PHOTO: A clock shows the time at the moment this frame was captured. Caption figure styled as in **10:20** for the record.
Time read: **9:14**
